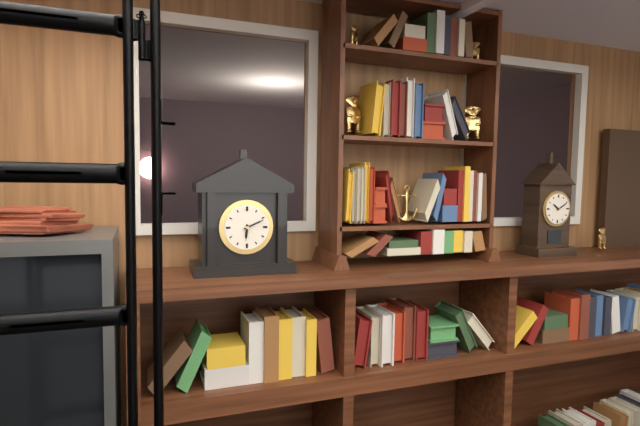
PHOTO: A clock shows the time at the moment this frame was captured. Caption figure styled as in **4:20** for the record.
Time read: **6:11**
